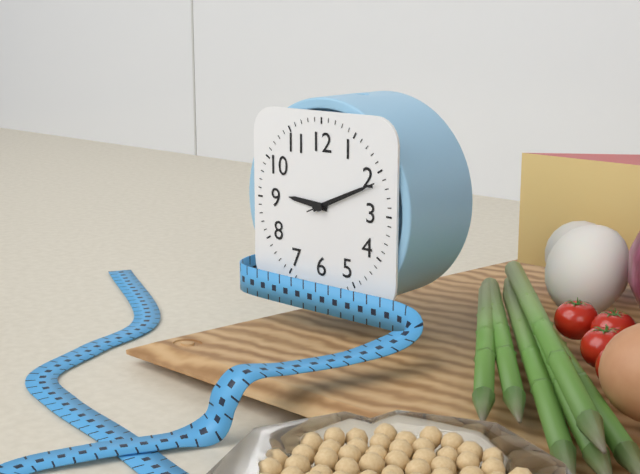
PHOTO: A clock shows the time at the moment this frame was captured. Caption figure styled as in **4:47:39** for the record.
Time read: **9:11:11**
